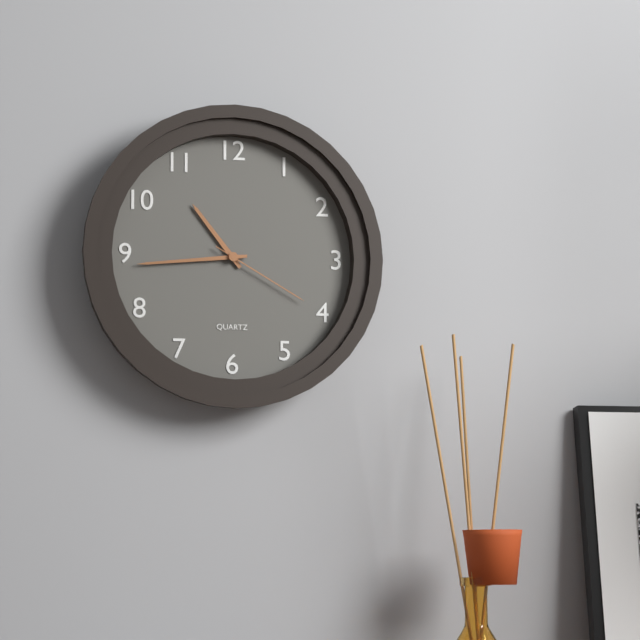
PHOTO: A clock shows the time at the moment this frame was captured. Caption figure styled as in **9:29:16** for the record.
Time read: **10:44:20**
